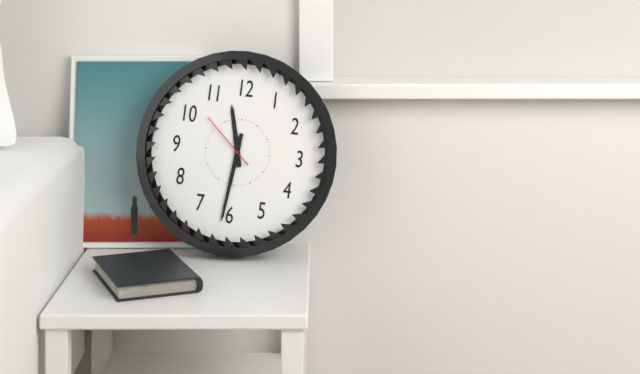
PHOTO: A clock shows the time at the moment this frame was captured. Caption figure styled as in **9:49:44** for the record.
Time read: **11:31:52**
